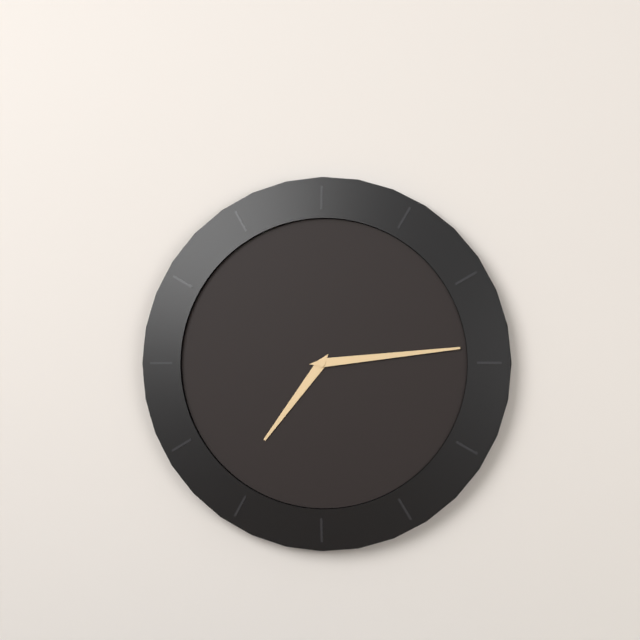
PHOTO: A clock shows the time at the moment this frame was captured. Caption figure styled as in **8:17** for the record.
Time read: **7:14**
